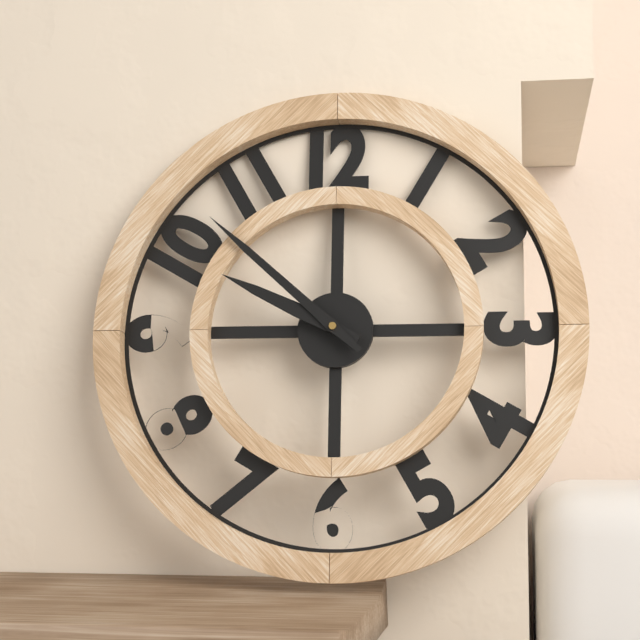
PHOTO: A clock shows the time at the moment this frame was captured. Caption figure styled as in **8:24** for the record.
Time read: **9:52**
